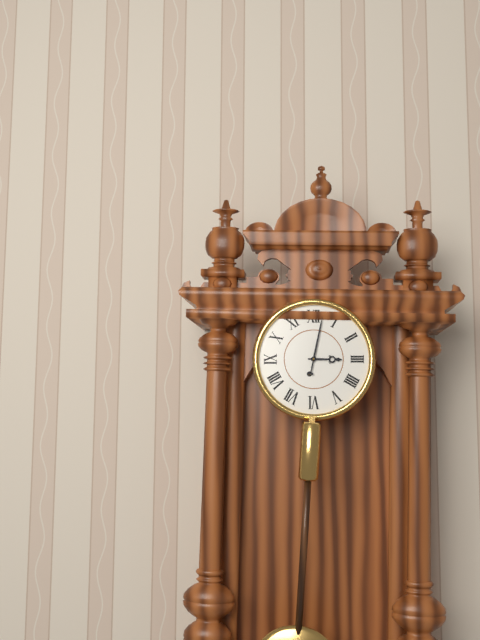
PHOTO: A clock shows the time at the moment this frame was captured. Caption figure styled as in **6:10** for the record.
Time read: **3:02**
